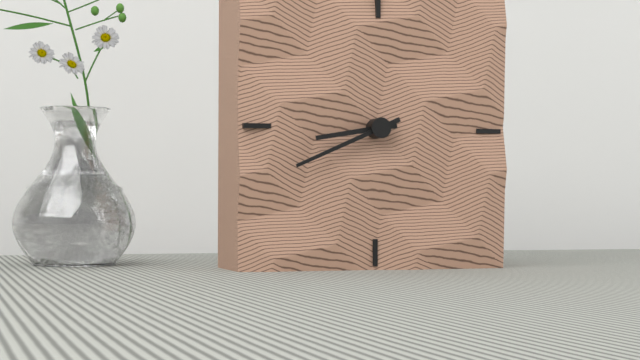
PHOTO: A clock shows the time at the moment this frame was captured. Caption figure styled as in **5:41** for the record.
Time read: **8:41**
